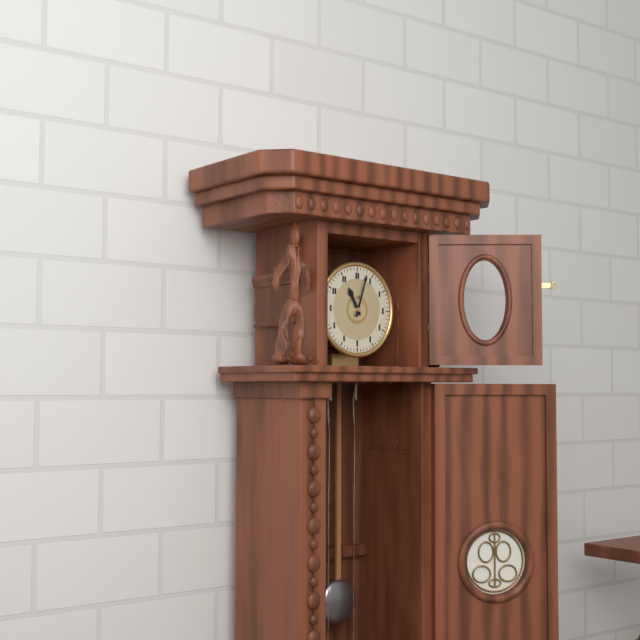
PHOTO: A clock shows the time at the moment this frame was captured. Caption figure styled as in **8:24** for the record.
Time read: **11:03**
